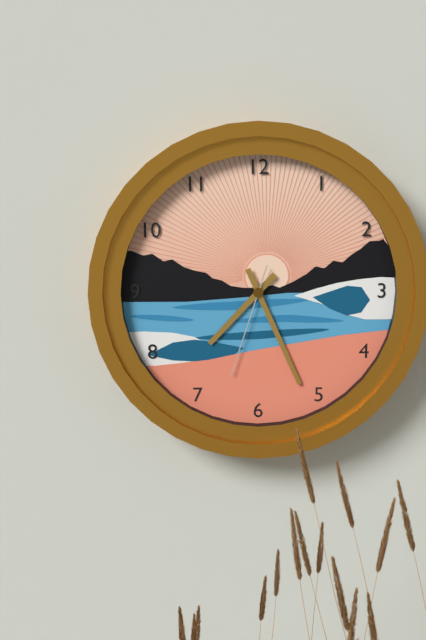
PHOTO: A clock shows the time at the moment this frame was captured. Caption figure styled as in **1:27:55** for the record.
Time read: **7:26:33**
